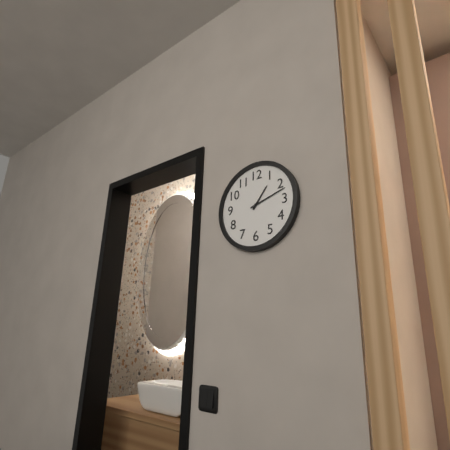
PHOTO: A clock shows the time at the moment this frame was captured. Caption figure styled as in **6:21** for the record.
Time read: **1:12**
